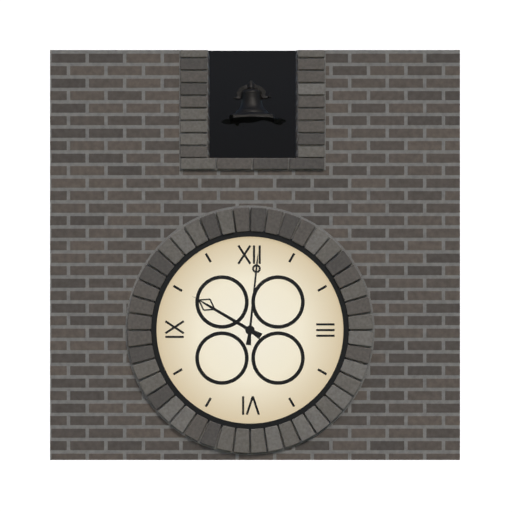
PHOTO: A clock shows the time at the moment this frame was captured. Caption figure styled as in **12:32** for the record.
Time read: **10:01**
